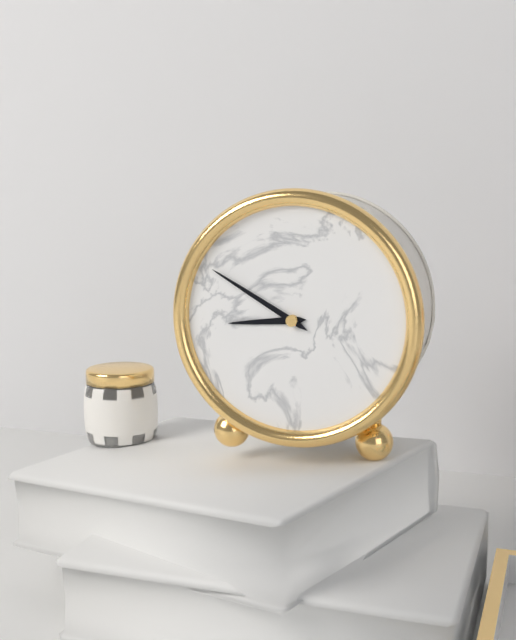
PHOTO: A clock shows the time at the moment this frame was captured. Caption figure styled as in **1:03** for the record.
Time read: **8:50**
